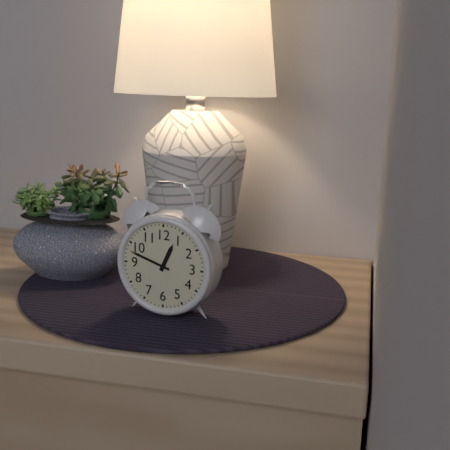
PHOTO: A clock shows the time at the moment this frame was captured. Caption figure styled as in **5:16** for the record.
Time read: **12:48**
